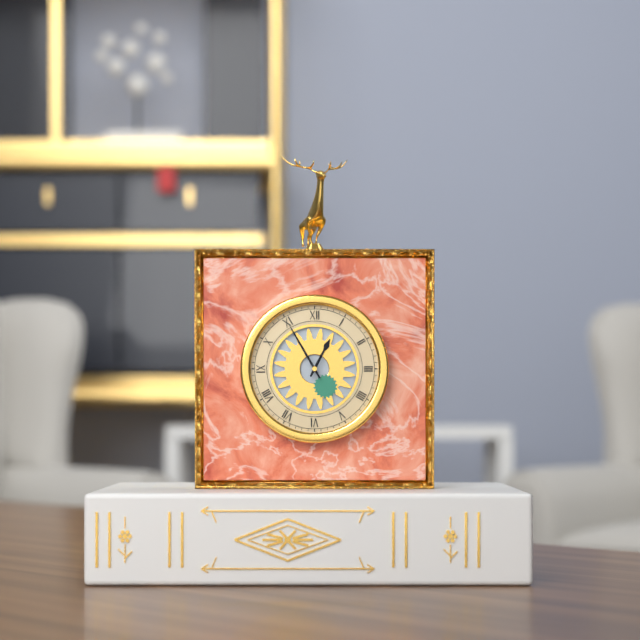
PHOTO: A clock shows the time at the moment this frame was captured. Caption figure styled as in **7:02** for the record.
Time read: **12:55**
